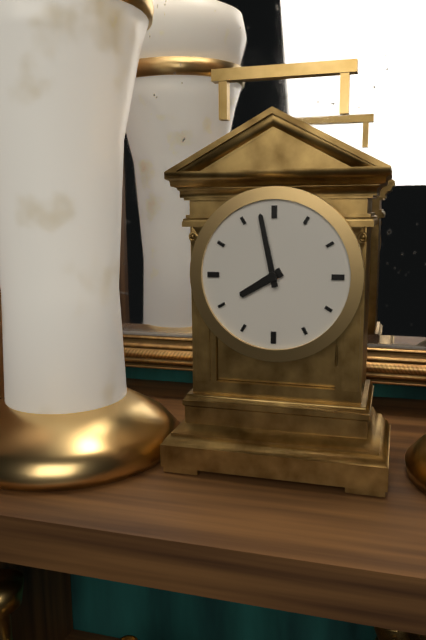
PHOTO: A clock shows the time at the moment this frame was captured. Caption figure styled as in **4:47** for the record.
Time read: **7:58**
